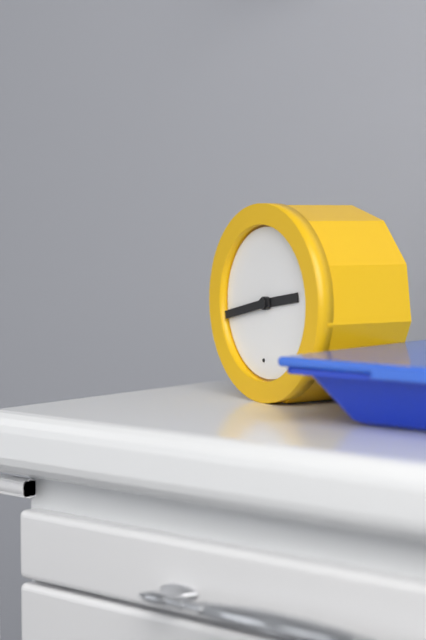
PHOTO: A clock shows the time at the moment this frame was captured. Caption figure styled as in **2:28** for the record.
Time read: **2:43**
